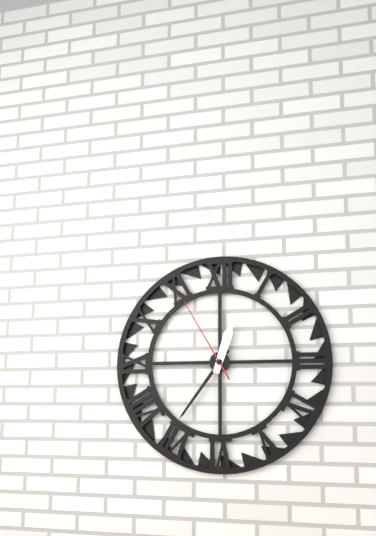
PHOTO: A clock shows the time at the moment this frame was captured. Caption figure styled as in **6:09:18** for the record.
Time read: **12:36:55**
